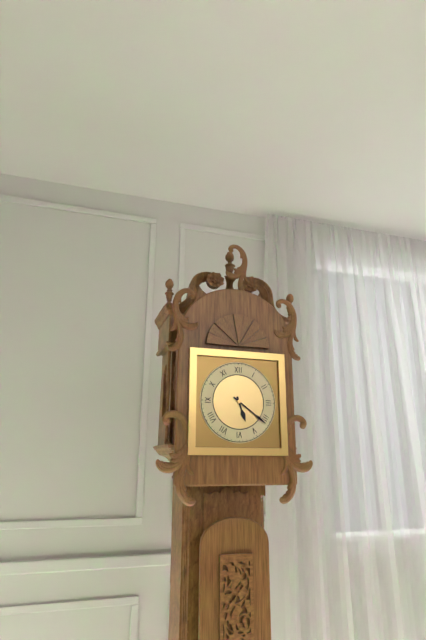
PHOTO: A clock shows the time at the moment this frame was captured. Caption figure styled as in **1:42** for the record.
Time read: **5:21**
